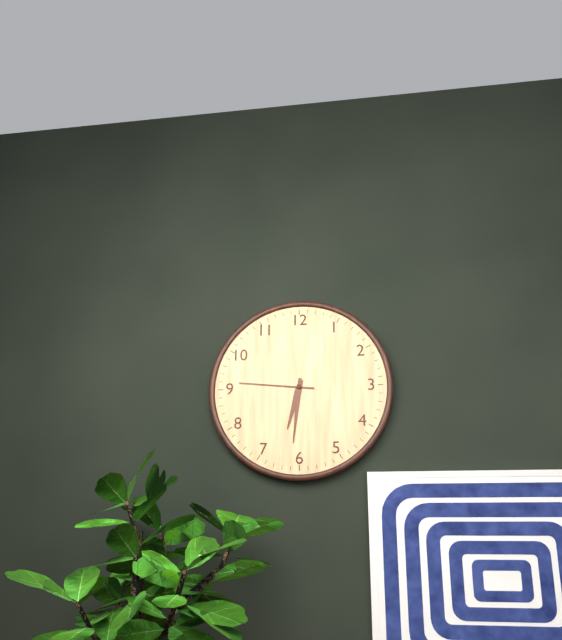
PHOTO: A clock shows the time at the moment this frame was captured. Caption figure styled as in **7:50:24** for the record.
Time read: **6:31:46**
